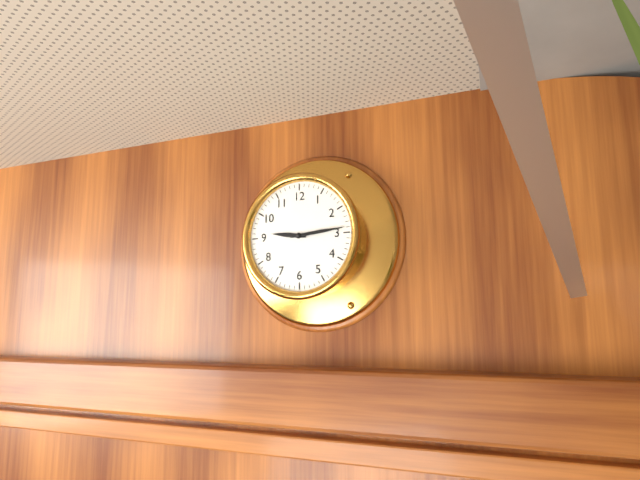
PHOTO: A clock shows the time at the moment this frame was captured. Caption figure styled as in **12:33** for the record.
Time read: **9:14**
